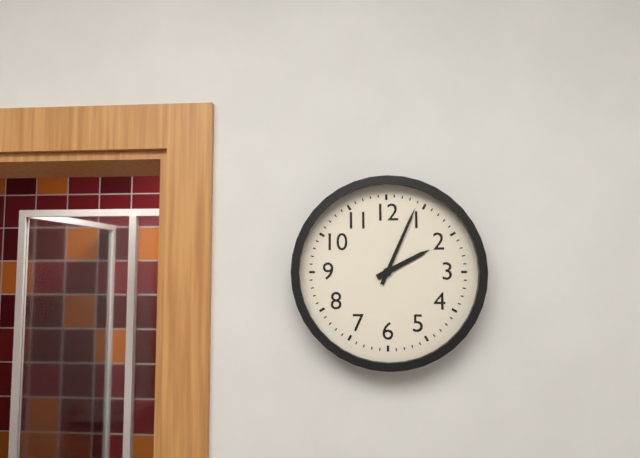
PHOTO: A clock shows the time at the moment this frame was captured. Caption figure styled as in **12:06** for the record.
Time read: **2:04**
